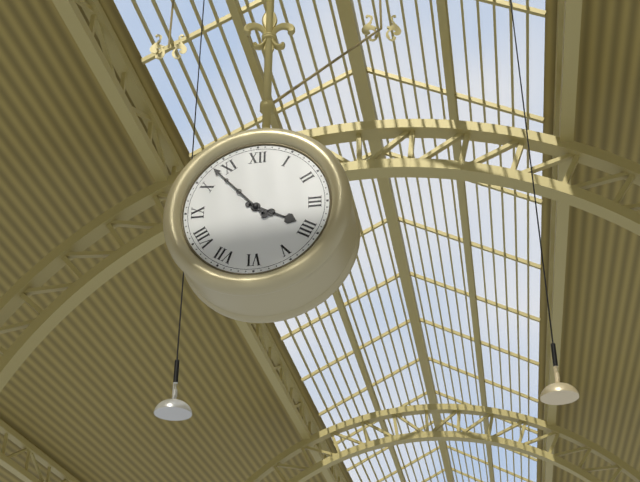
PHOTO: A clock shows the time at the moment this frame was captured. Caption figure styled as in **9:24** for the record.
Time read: **3:53**
